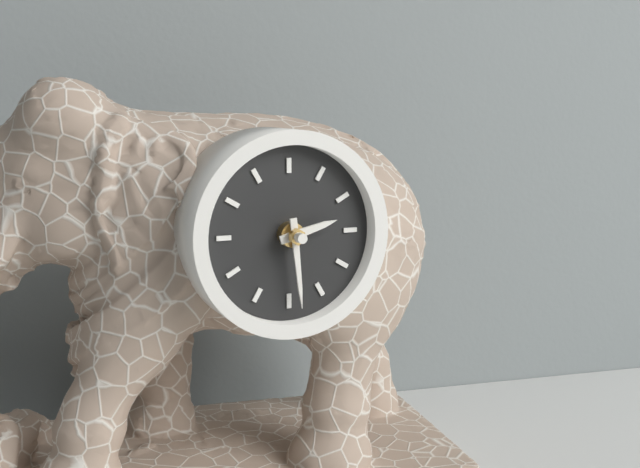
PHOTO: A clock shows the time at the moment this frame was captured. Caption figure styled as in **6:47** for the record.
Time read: **2:29**
